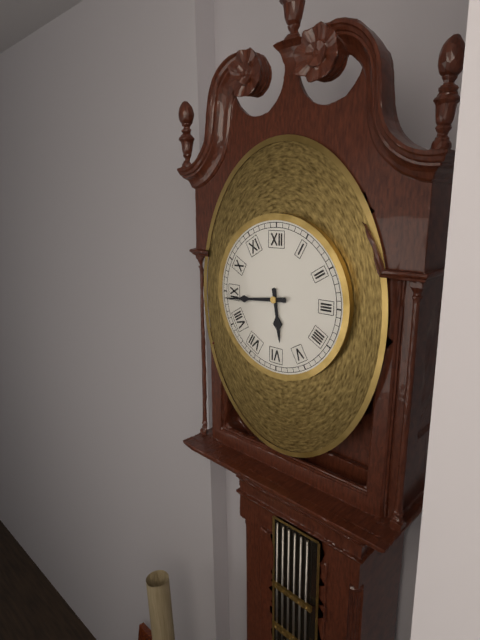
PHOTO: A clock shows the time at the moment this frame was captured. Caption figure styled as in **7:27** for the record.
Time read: **5:44**
